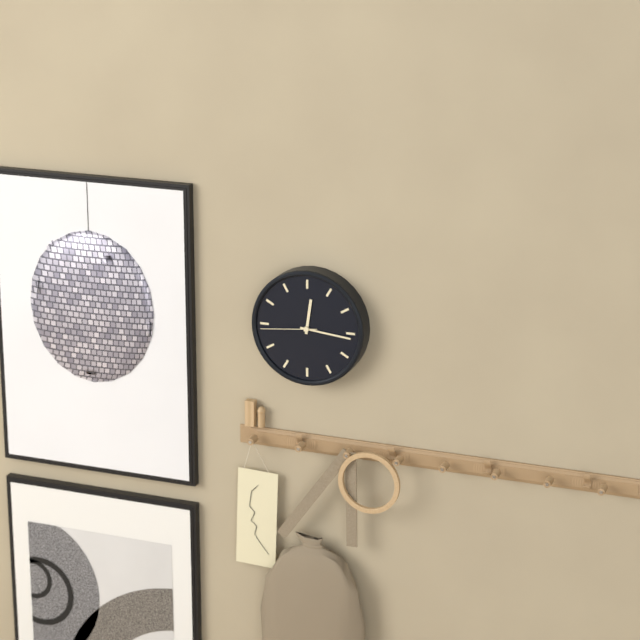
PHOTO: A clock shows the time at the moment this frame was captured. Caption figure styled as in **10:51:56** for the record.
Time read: **12:16:44**
